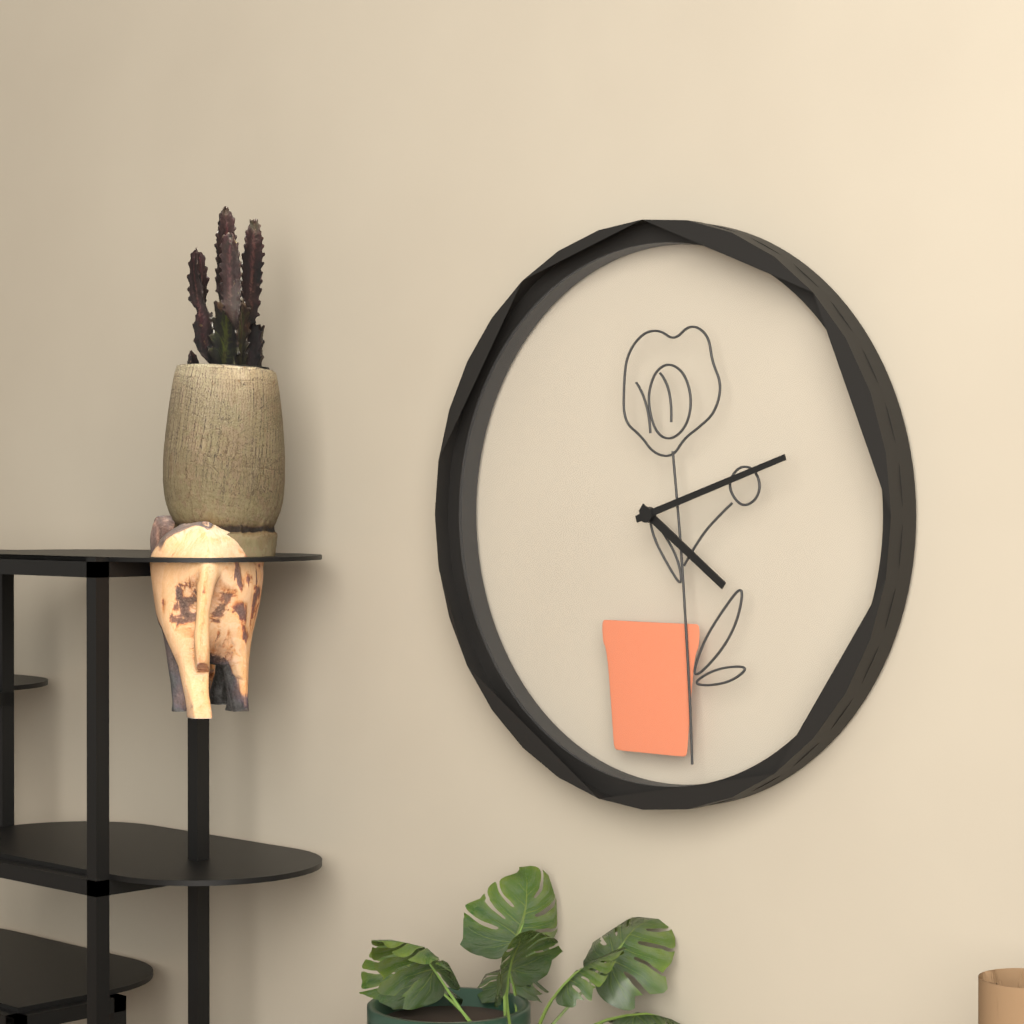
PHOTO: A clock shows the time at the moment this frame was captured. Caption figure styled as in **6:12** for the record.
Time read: **4:12**
